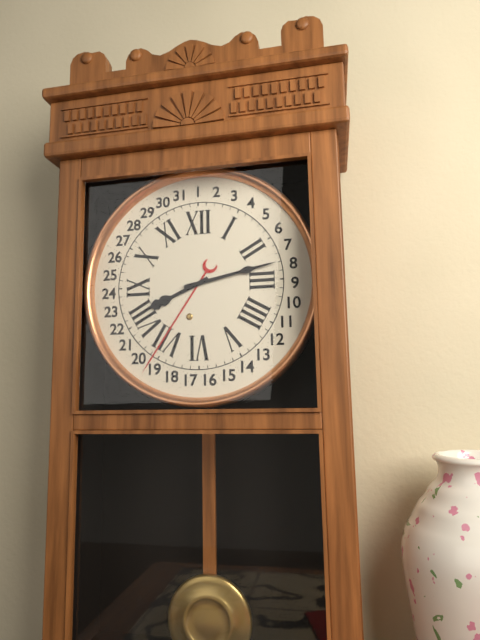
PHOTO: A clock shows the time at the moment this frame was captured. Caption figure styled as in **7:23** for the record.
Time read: **8:13**
